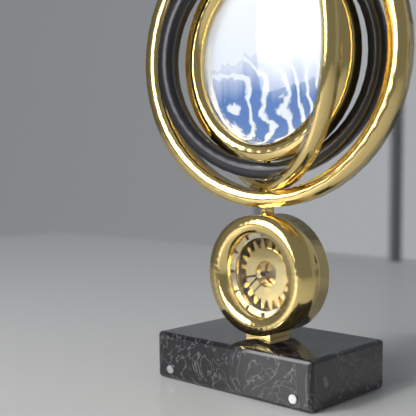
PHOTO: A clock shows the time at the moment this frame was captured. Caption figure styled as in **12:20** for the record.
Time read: **8:38**
